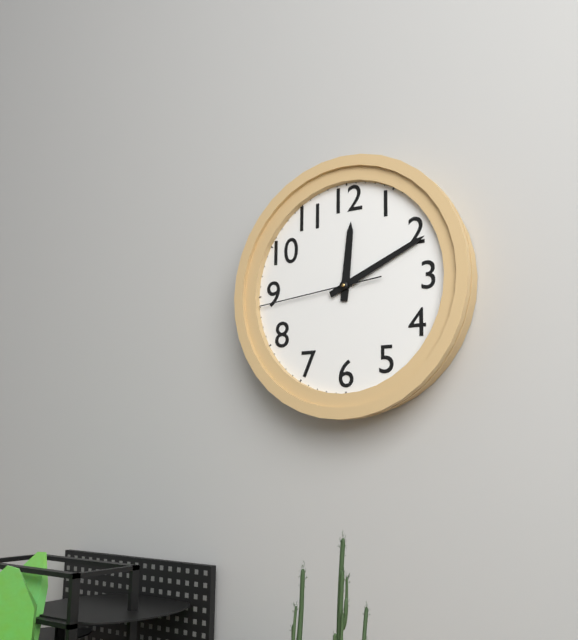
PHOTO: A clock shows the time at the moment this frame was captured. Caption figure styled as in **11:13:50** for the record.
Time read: **12:11:44**
